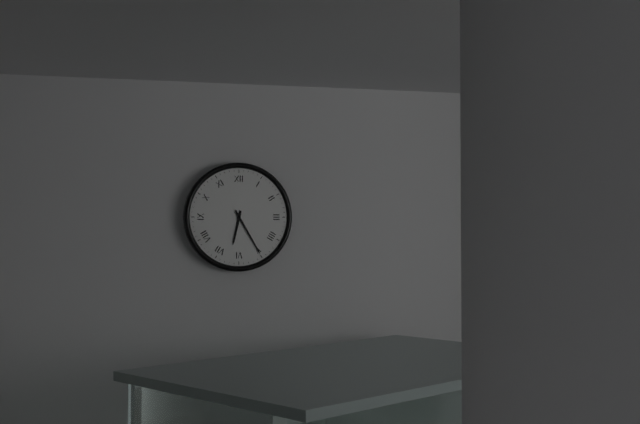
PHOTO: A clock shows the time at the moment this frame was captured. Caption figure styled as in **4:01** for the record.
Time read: **6:25**
